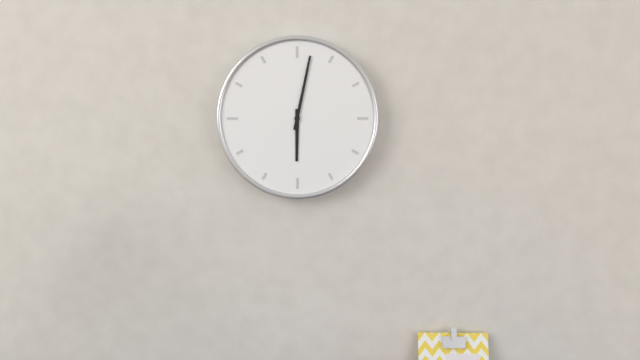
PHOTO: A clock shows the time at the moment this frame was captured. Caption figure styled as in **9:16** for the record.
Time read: **6:02**
